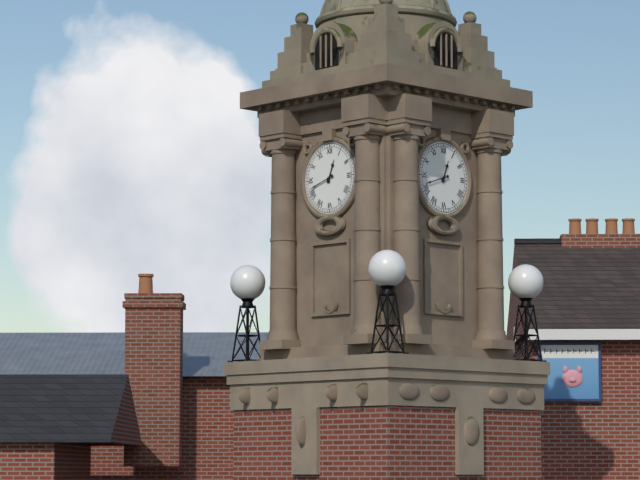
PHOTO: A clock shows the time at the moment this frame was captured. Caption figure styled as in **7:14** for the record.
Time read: **12:42**
